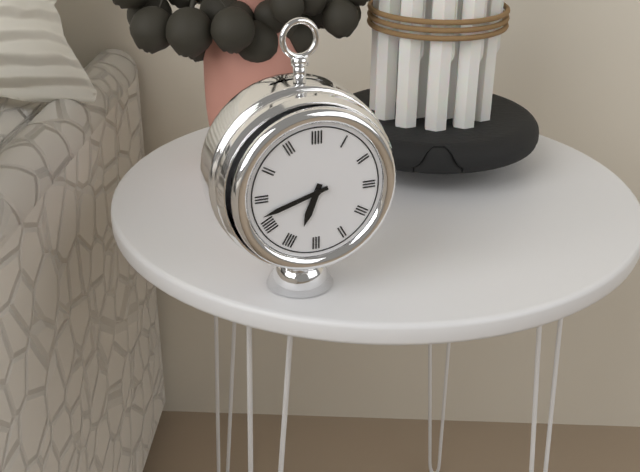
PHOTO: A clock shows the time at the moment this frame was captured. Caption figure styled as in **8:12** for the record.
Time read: **6:42**
